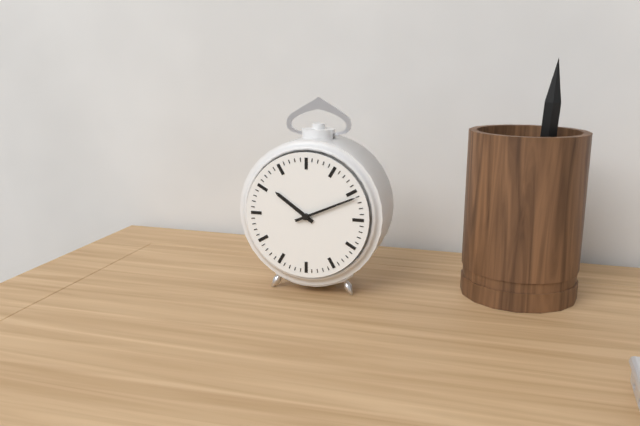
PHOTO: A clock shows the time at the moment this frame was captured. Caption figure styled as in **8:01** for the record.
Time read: **10:11**
